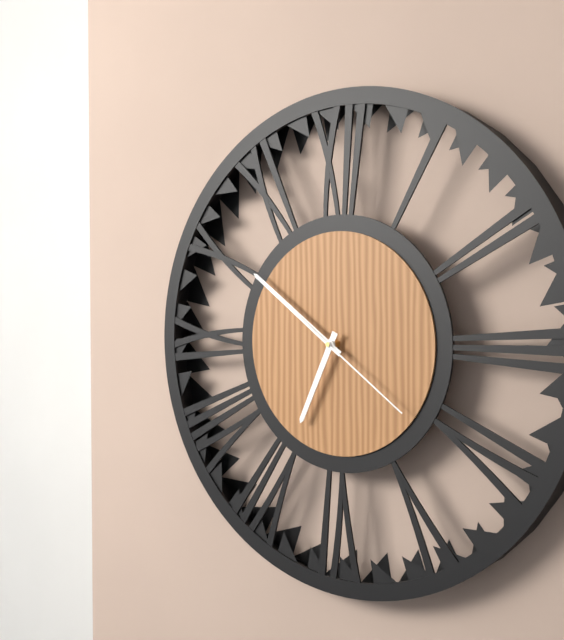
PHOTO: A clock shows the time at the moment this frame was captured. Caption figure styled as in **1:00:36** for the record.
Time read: **6:51:21**
